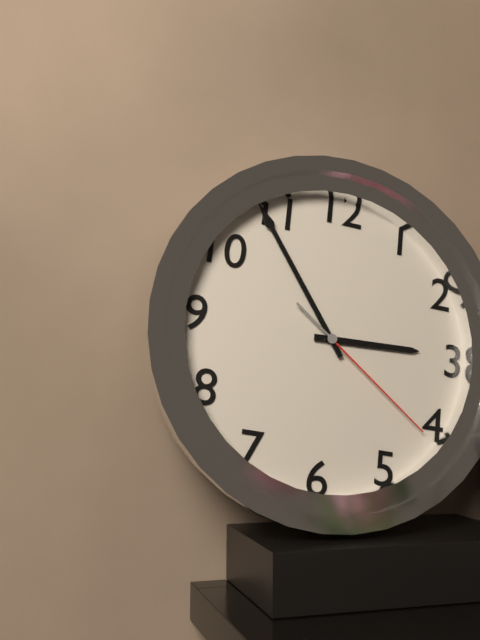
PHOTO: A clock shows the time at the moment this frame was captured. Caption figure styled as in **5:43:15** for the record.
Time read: **2:54:21**
